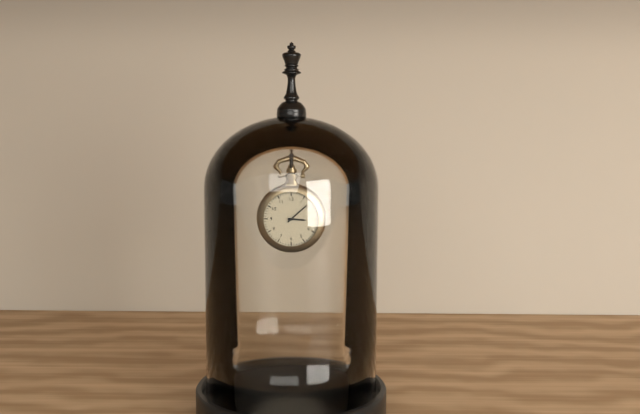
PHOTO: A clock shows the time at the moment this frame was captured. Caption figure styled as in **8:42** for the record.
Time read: **3:08**
